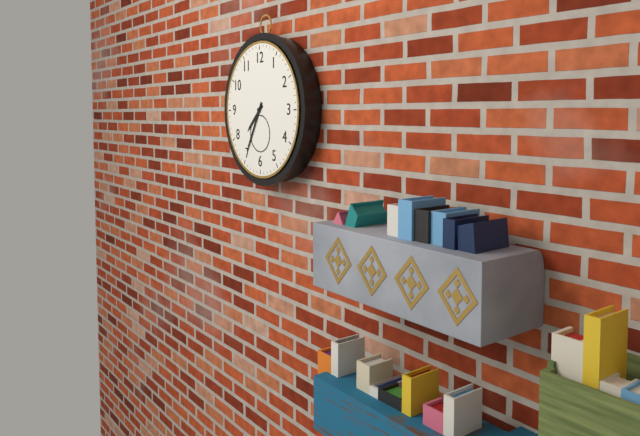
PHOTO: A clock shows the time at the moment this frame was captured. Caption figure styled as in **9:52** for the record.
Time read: **7:35**
